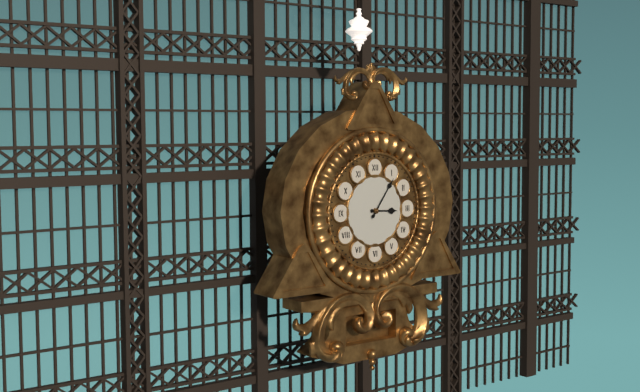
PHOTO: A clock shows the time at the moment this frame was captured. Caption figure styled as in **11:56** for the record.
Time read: **3:06**
